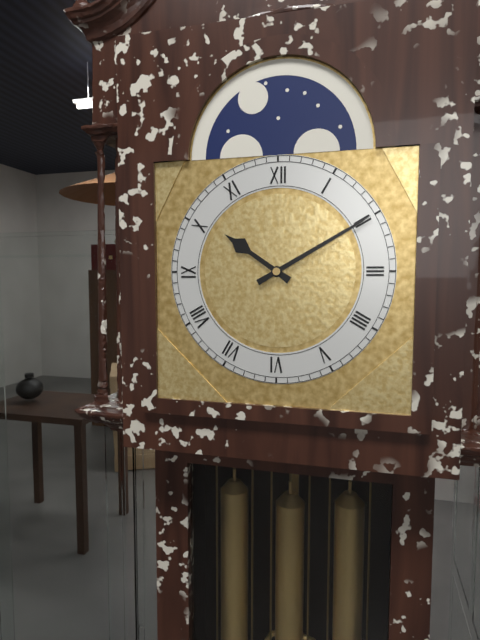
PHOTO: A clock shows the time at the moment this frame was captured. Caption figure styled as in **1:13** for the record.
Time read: **10:10**
